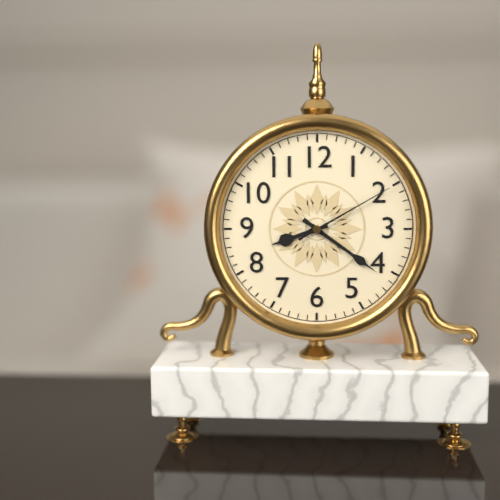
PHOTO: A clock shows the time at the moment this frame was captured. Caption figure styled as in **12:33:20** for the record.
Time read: **8:21:10**
